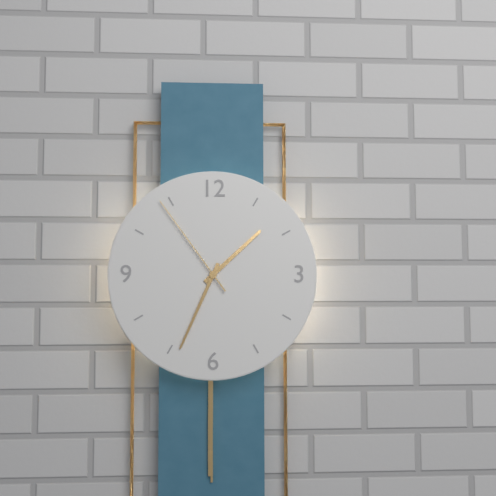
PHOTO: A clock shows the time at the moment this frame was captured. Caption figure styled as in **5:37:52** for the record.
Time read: **1:34:54**
